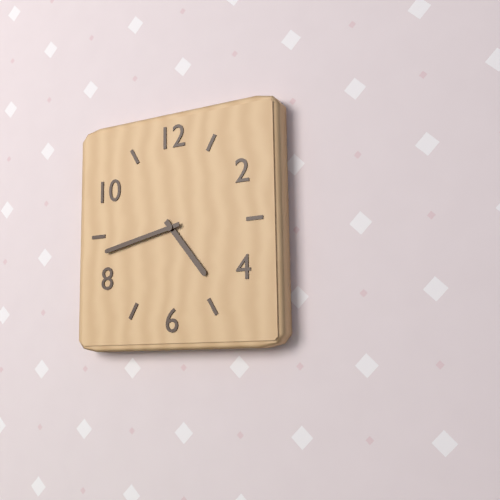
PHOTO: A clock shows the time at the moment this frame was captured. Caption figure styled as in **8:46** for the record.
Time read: **4:43**
